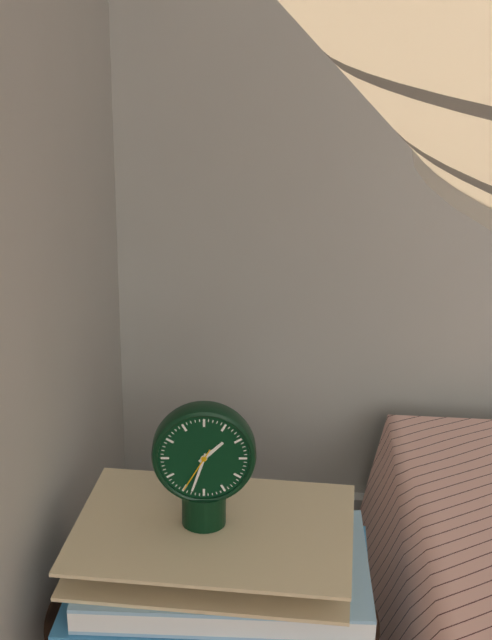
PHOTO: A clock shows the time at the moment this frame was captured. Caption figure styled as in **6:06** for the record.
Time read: **1:33**
